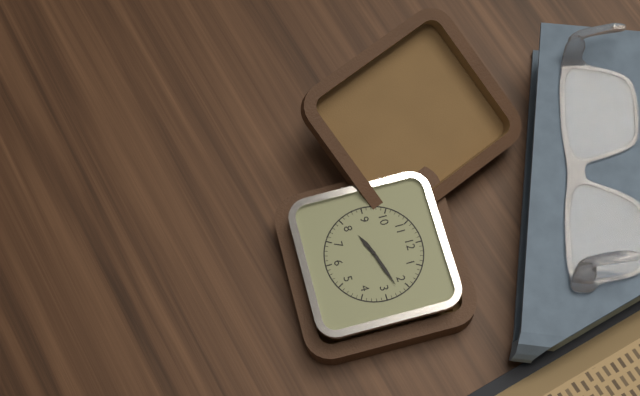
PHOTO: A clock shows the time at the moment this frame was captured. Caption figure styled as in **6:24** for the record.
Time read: **8:12**
